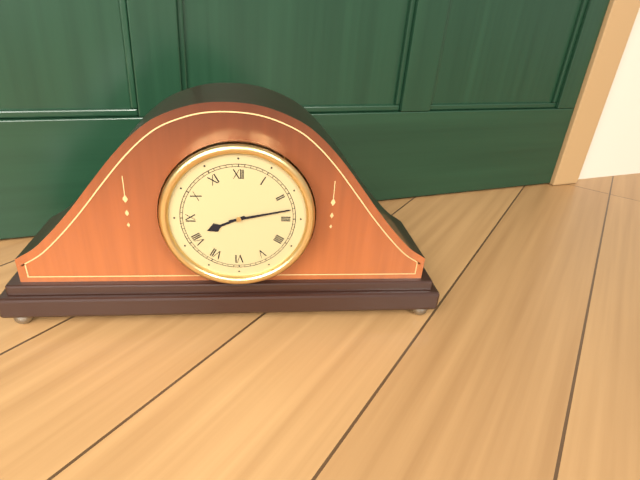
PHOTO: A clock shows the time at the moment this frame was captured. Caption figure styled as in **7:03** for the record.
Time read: **8:13**
